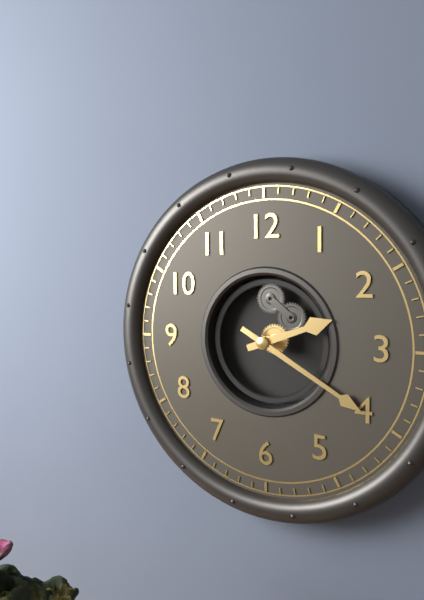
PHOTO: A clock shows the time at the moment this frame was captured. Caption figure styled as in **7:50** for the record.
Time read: **2:20**
